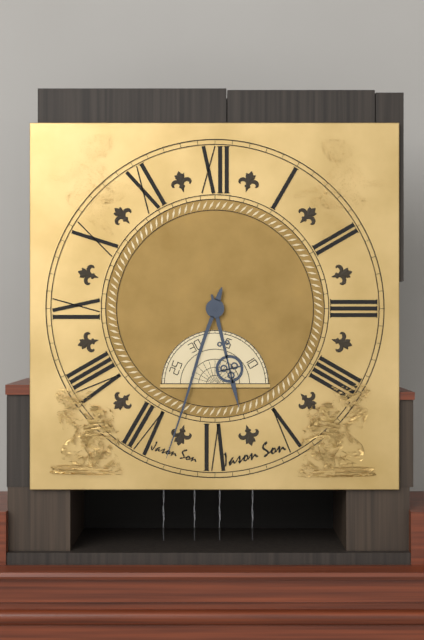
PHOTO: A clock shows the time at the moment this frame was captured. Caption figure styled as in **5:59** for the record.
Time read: **5:33**
